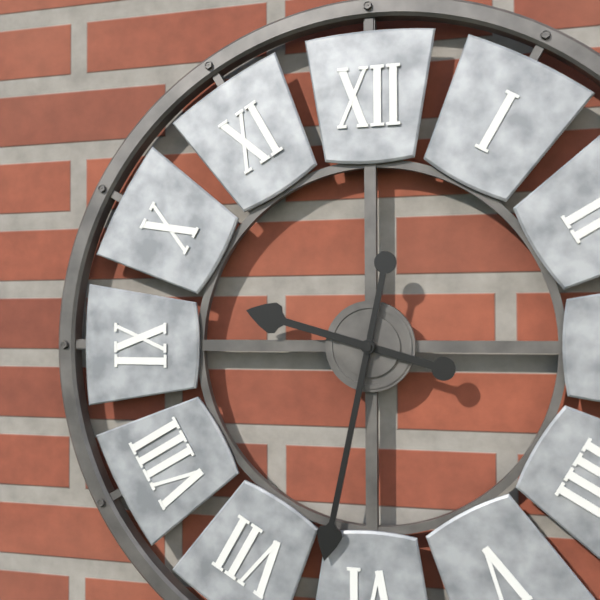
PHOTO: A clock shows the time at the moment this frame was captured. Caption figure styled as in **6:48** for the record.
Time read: **9:32**
